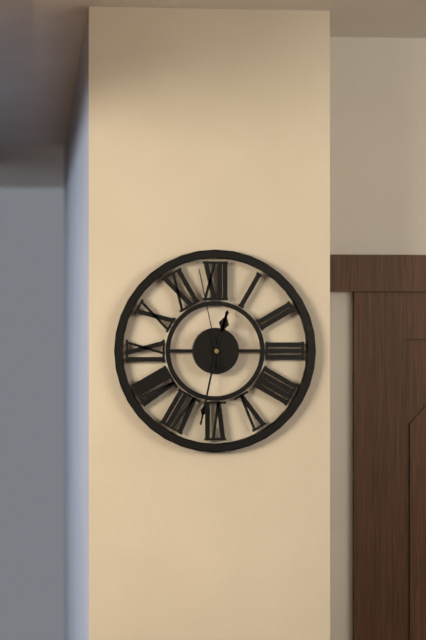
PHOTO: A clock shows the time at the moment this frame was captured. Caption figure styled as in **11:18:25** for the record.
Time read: **12:32:58**
